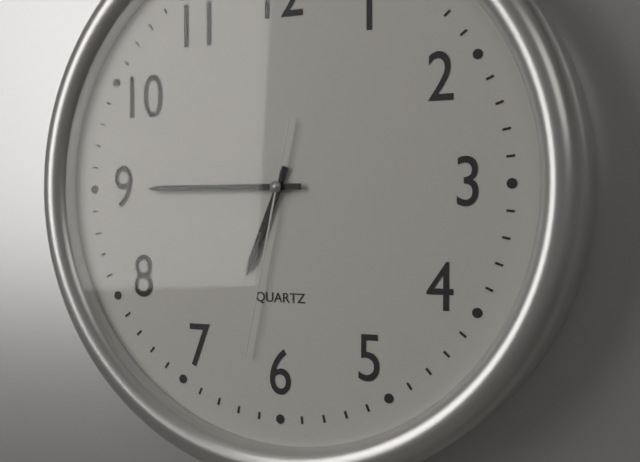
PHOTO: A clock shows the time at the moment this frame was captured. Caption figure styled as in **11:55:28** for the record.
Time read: **6:45:32**
